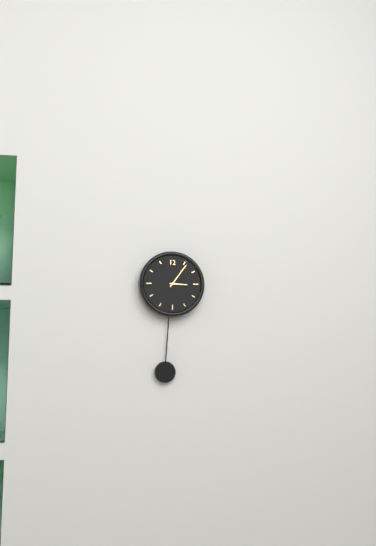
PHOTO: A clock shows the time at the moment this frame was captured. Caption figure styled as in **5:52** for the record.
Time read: **3:06**
